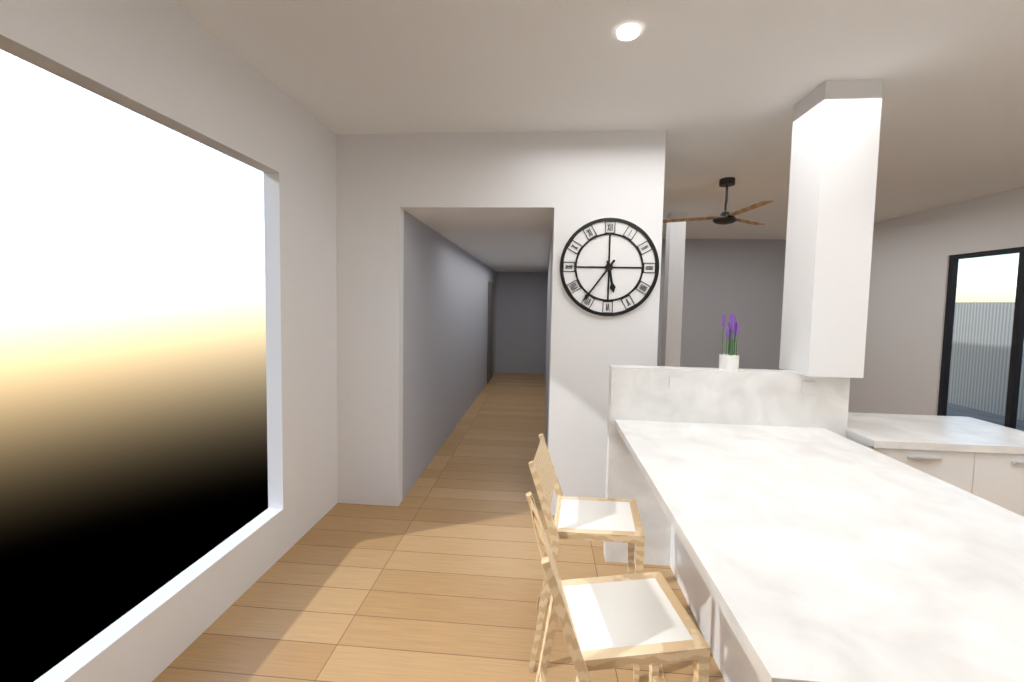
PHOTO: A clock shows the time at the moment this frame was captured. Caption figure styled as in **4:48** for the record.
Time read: **5:36**
